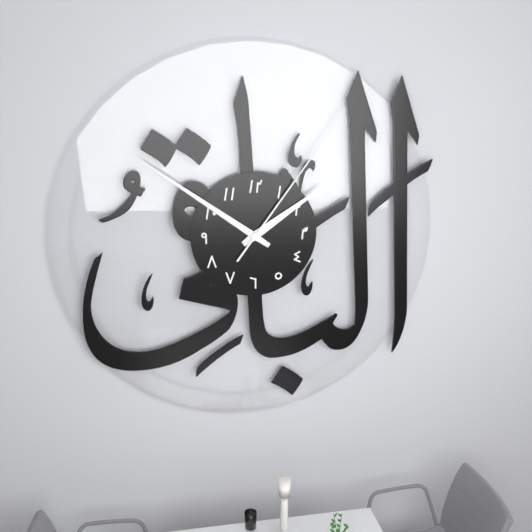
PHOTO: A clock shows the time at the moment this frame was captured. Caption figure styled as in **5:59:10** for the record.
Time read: **1:51:06**
